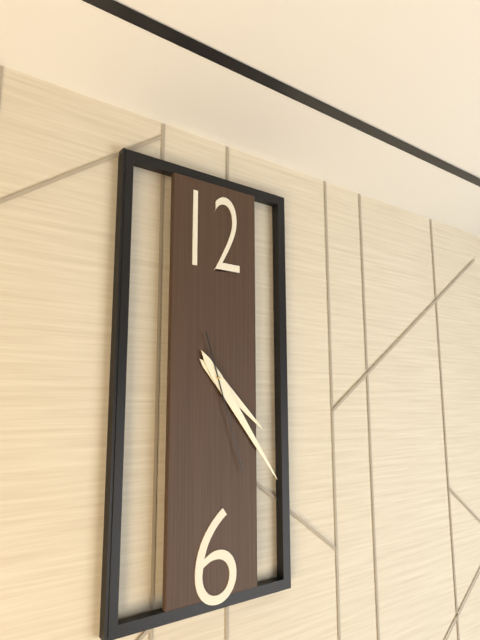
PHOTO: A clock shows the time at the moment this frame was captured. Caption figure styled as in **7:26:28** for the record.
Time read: **4:24:27**
